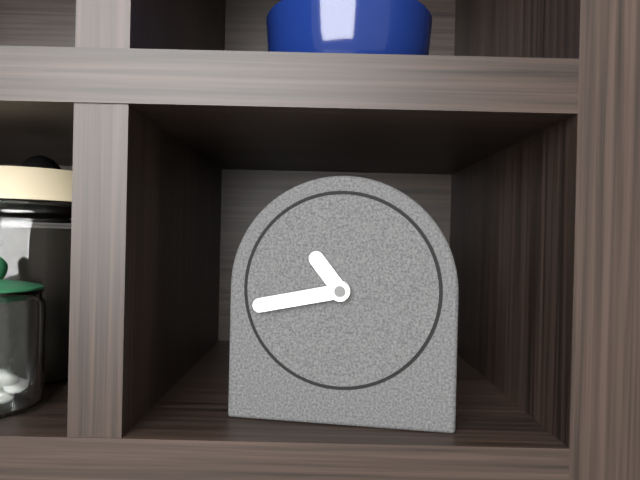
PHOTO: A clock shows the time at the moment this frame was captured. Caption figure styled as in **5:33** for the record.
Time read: **10:43**
